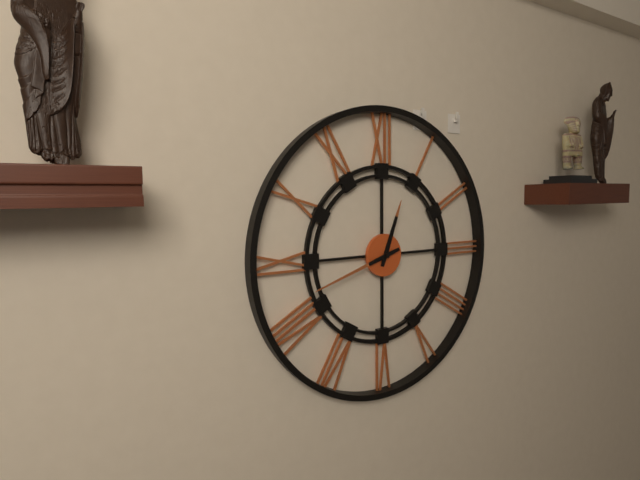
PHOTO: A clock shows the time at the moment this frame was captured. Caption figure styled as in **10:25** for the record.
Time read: **12:42**
